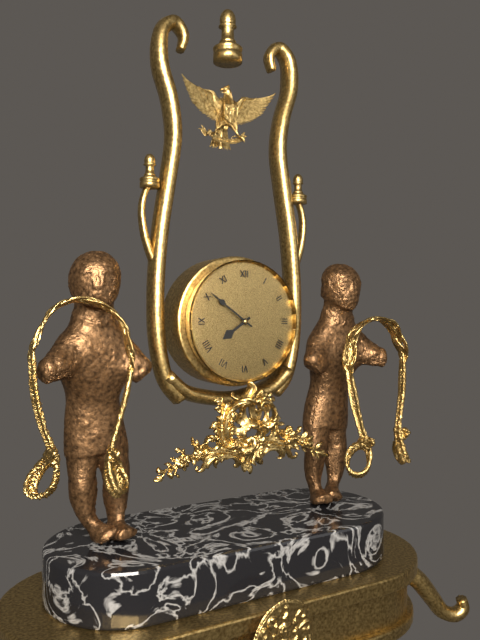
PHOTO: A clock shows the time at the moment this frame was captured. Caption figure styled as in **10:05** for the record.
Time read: **7:51**
